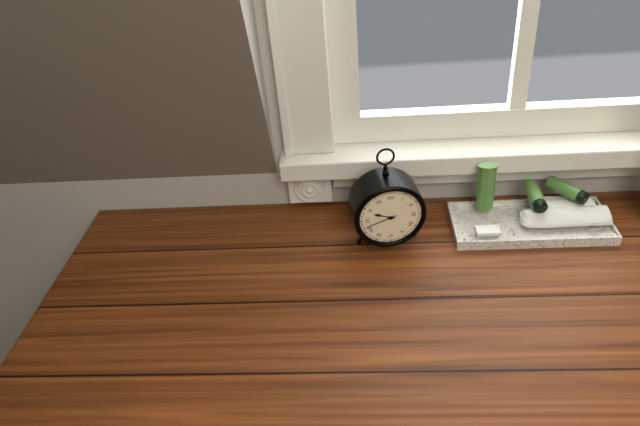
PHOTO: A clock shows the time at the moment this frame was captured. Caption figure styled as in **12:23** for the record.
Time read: **9:42**
